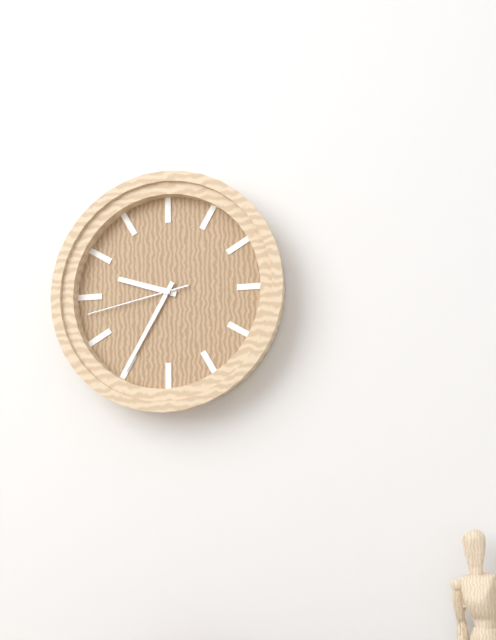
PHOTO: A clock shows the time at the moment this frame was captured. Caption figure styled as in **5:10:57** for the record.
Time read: **9:35:43**
